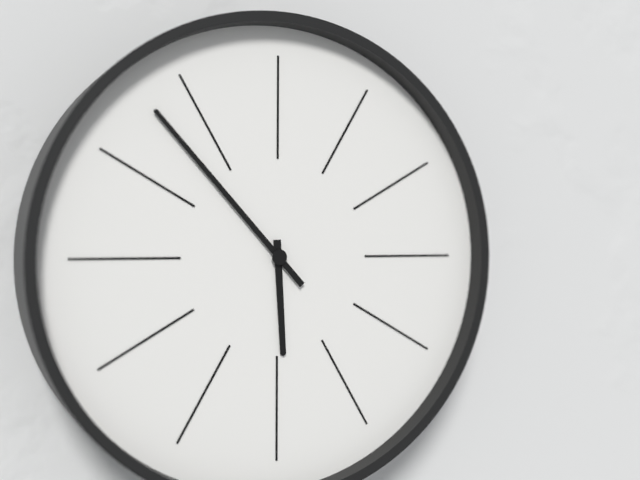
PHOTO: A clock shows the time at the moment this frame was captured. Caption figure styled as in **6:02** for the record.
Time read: **5:53**
